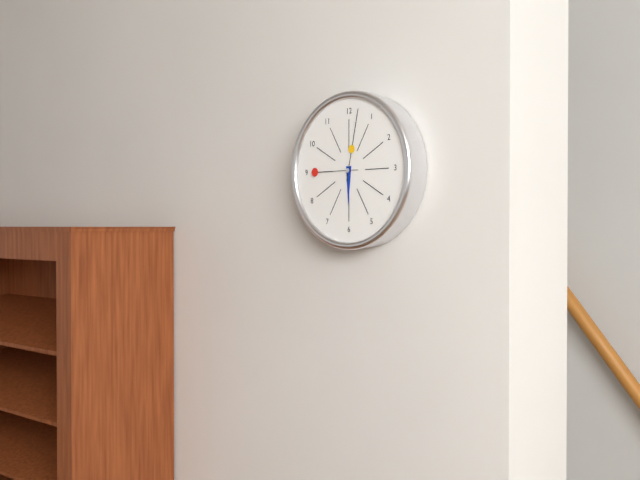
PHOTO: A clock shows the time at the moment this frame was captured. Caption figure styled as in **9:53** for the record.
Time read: **6:02**
